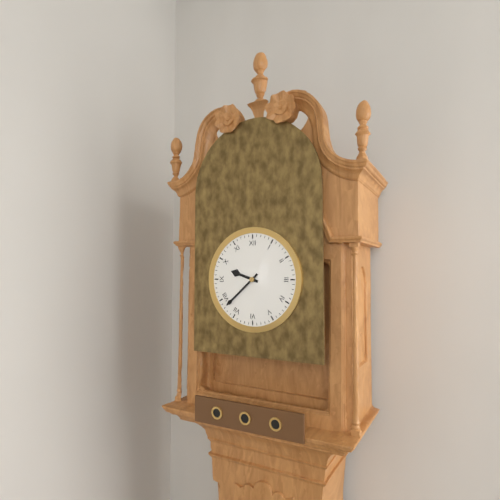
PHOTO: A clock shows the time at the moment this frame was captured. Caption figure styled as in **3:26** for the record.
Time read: **9:38**
